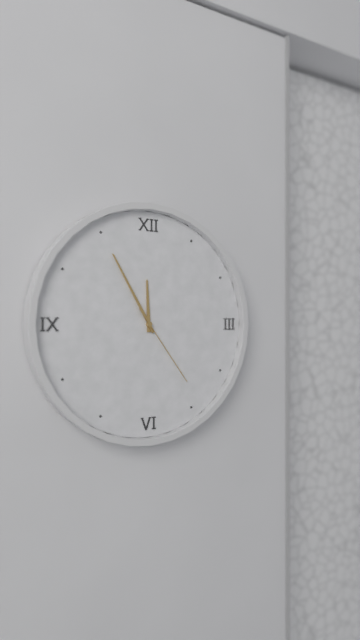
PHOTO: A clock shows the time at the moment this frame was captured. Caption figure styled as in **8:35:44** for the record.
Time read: **11:55:24**
